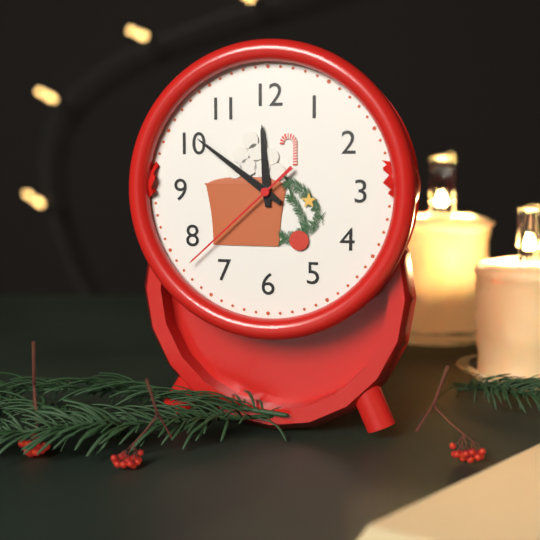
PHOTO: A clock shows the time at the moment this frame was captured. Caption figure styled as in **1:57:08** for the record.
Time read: **11:51:38**
